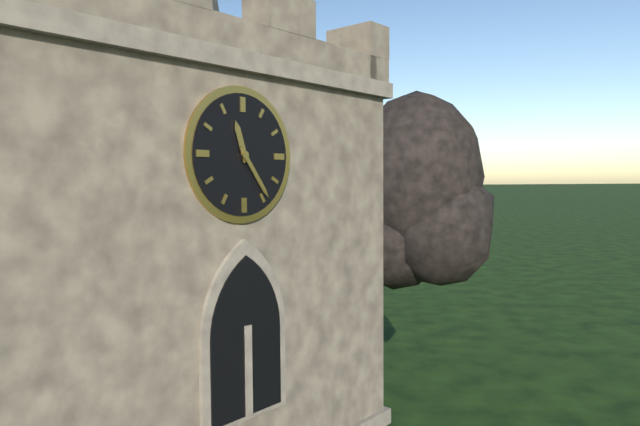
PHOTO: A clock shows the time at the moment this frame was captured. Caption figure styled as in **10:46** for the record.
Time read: **11:24**
